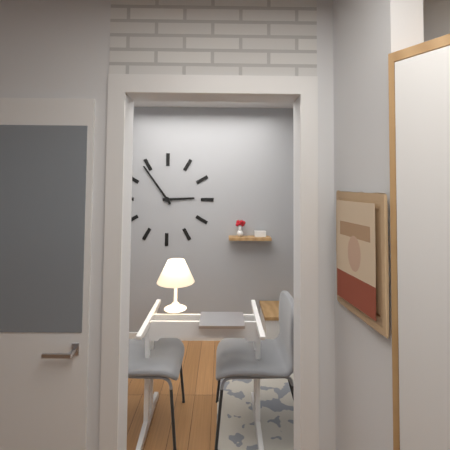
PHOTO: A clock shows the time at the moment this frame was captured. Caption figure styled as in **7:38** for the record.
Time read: **2:54**
